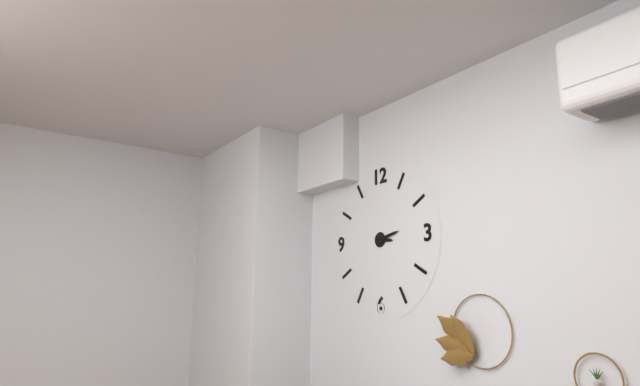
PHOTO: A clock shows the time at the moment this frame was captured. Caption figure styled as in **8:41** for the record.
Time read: **3:13**
